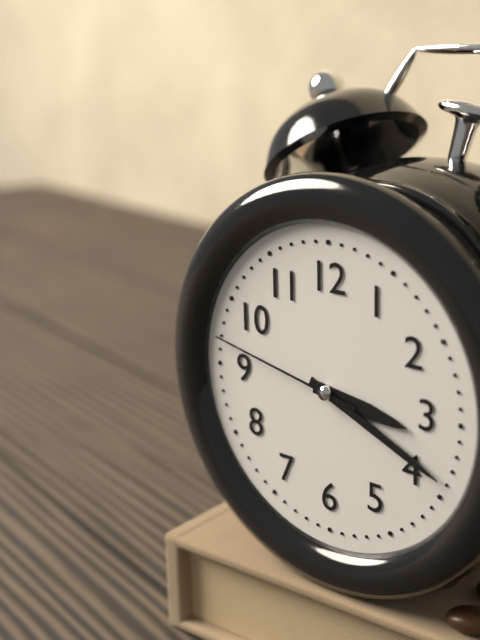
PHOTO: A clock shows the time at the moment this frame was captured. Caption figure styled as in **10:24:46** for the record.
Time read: **3:19:47**
